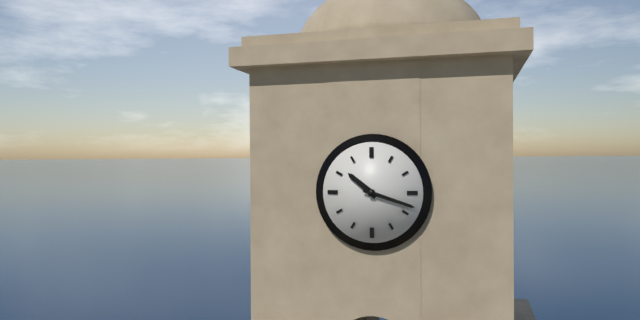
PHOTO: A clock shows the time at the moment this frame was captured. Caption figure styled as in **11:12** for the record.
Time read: **10:18**
